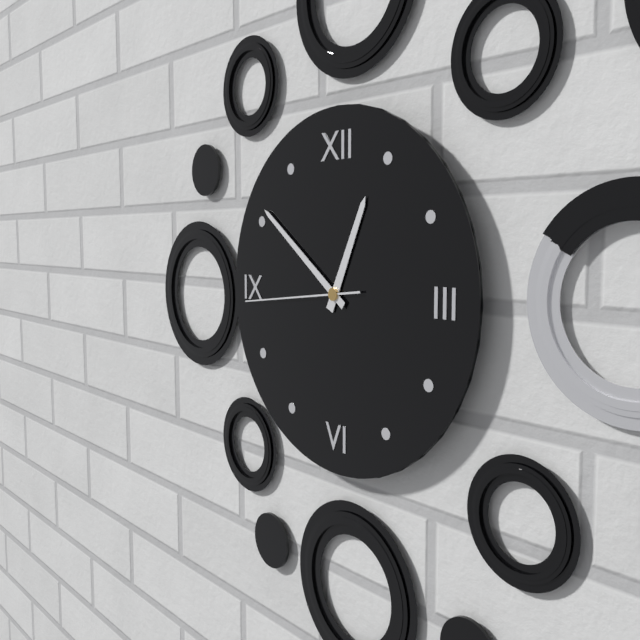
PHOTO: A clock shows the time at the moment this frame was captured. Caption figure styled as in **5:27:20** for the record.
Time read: **12:51:44**
